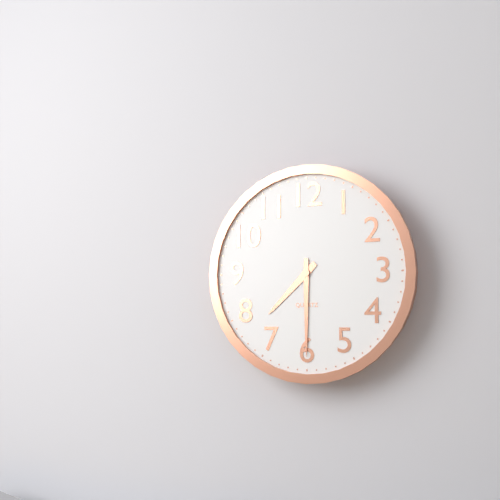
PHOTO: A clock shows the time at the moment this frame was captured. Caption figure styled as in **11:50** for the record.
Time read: **7:30**
